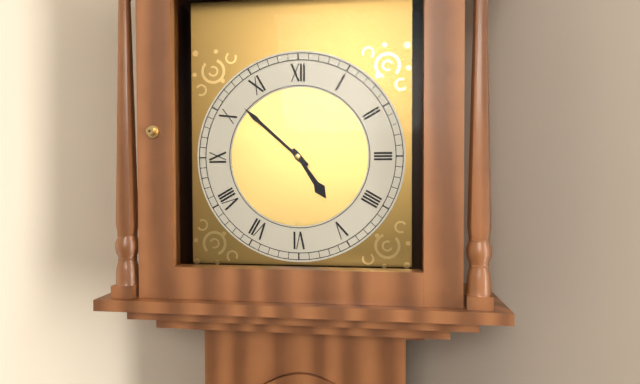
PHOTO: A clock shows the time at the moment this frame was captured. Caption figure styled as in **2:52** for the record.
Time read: **4:52**
